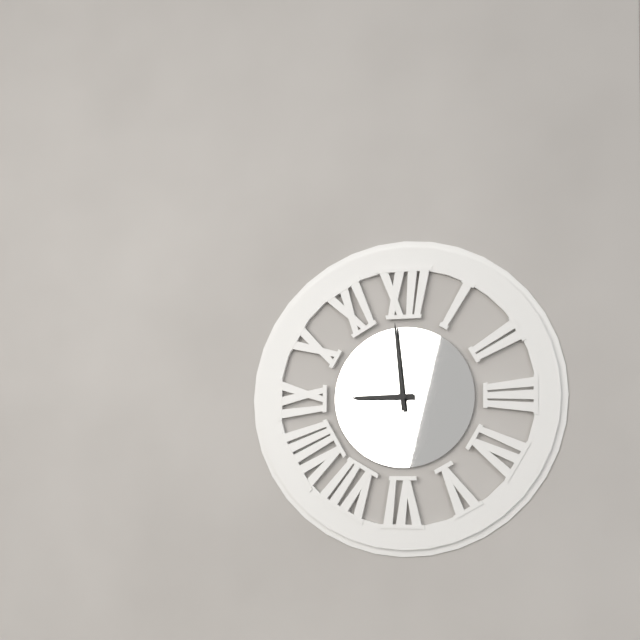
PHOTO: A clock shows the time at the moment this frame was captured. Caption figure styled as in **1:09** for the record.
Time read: **8:59**
